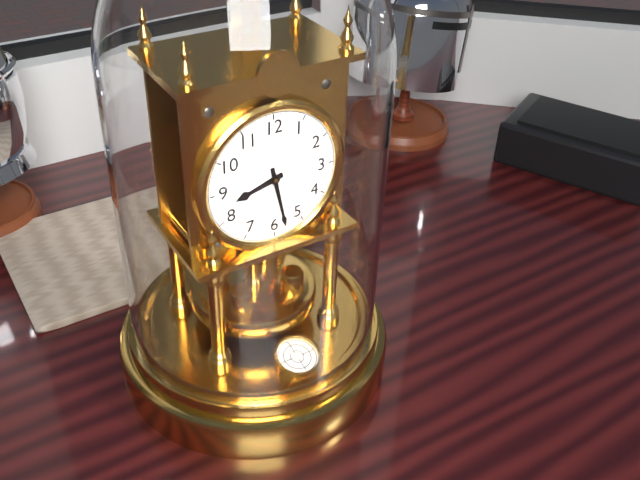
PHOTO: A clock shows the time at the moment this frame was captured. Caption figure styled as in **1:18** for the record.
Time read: **8:28**
